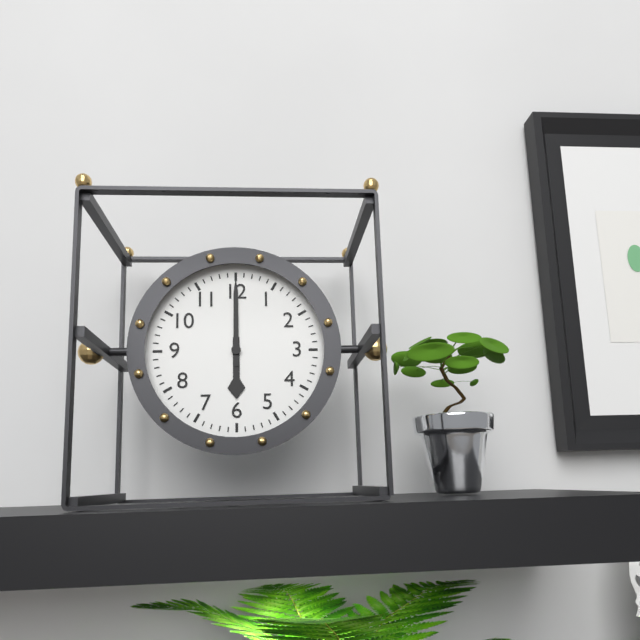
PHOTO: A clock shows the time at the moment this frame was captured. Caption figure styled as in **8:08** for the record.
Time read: **6:00**
